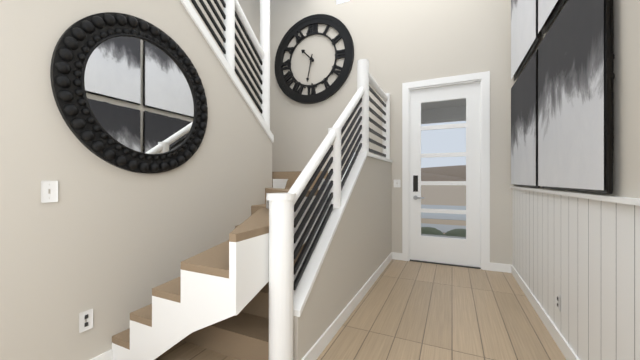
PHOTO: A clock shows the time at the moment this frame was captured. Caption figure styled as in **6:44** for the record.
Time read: **10:32**
